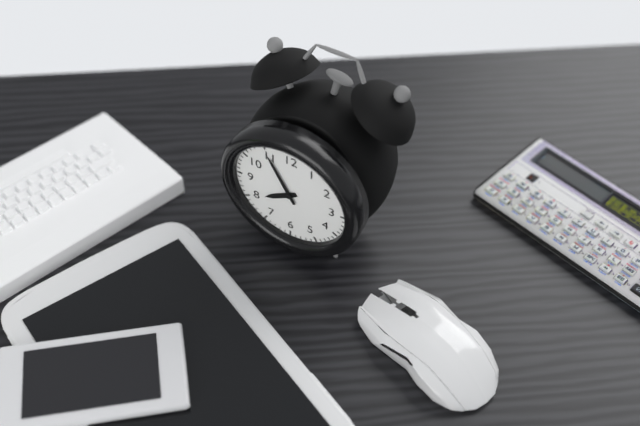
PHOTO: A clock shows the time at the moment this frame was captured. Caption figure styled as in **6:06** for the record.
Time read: **7:55**
